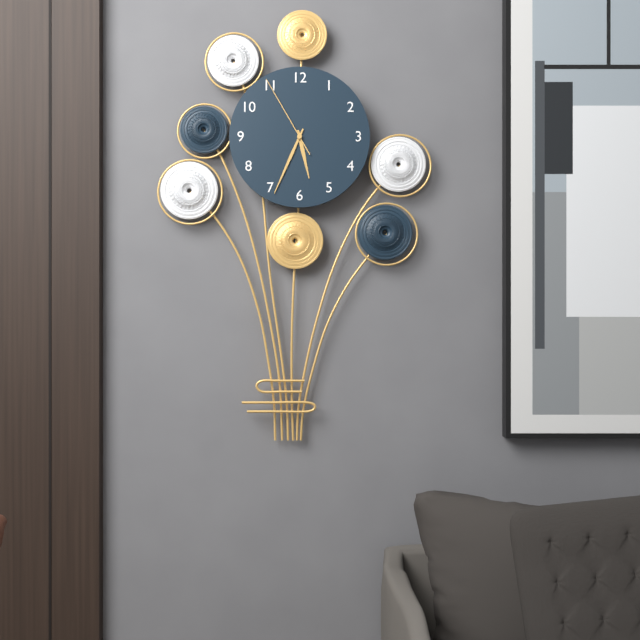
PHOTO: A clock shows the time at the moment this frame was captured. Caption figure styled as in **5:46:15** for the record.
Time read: **5:34:55**
